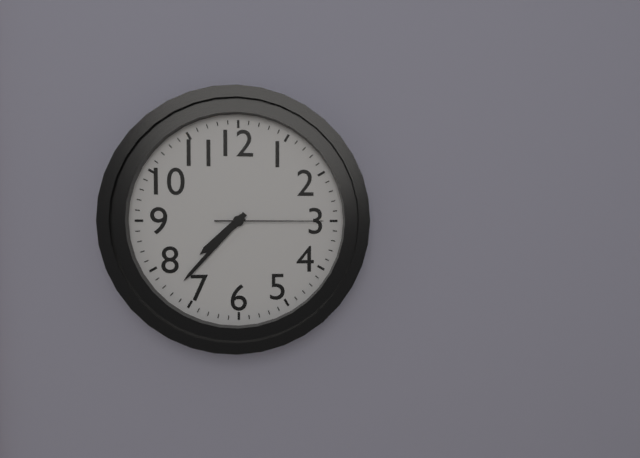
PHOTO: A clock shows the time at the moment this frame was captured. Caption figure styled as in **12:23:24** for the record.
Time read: **7:37:15**
